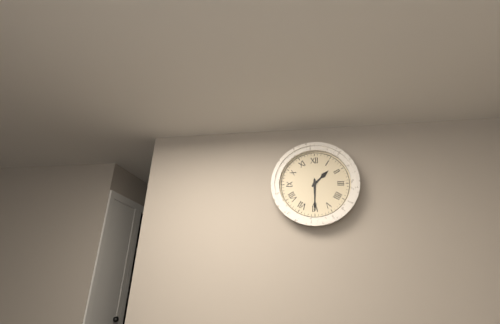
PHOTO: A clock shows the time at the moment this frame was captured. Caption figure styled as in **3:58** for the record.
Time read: **1:30**
